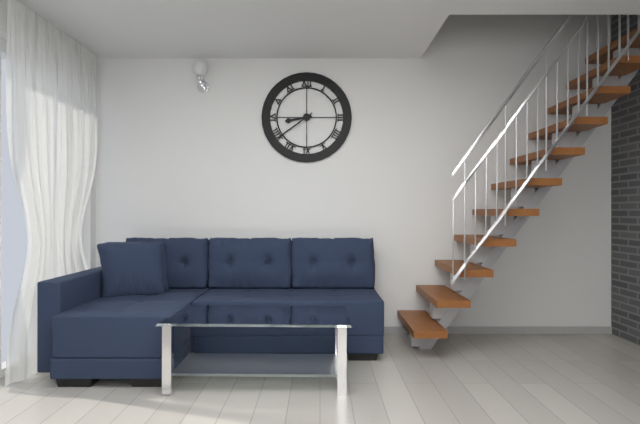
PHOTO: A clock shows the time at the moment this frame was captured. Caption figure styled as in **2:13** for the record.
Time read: **8:39**
